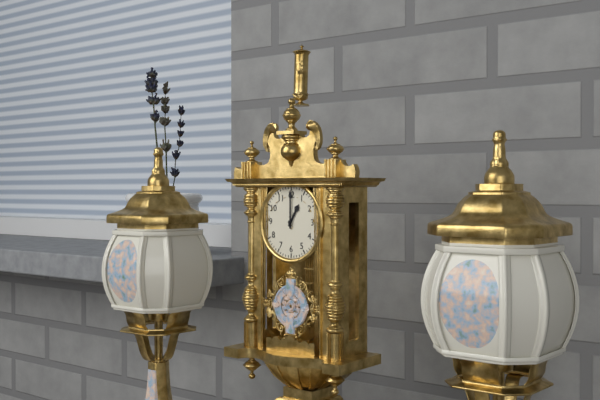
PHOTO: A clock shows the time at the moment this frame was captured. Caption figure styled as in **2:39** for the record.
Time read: **1:00**
